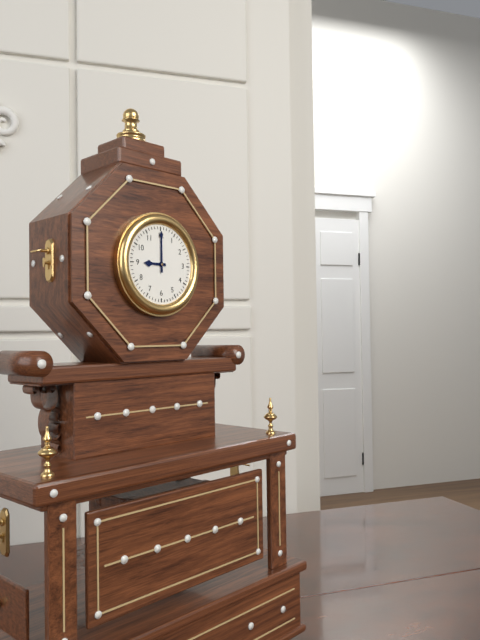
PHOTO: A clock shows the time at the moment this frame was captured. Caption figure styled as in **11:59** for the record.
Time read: **9:00**
